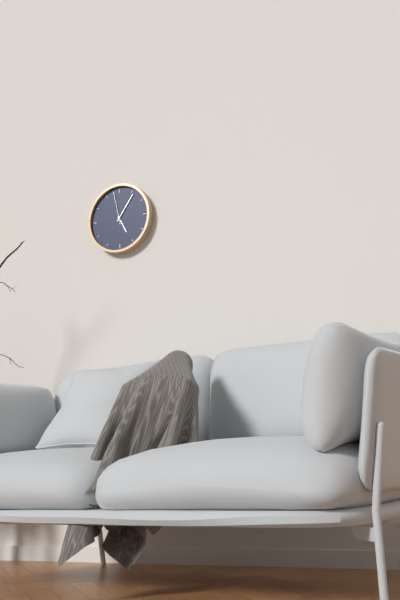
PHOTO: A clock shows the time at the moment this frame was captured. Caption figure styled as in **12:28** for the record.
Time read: **5:06**
